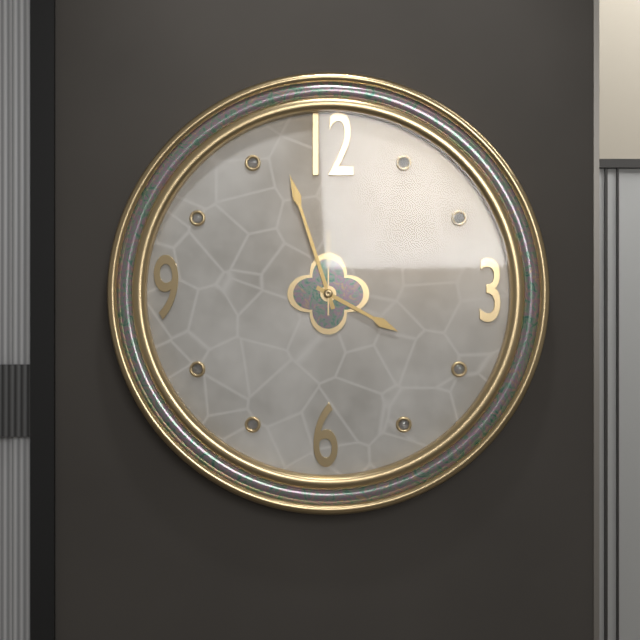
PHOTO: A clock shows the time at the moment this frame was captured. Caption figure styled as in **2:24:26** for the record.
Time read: **3:57:00**
